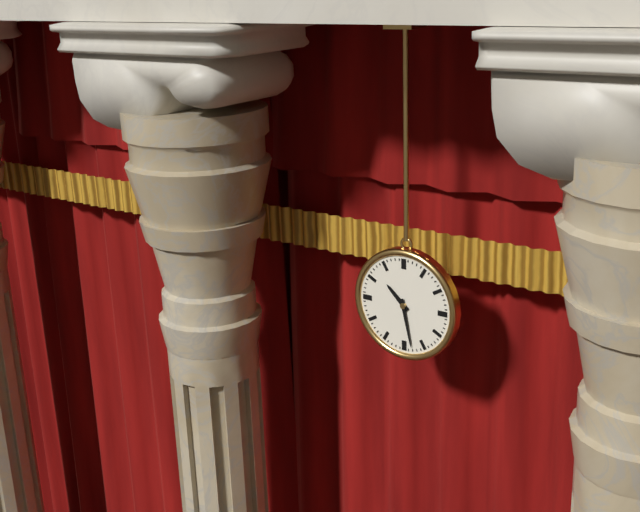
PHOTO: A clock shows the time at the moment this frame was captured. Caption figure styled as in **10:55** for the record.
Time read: **10:28**
